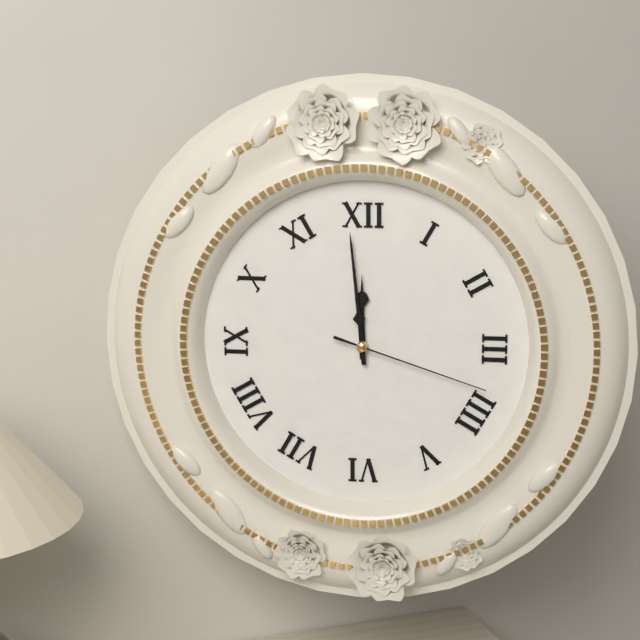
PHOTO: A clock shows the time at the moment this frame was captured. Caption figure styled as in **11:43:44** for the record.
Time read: **11:59:18**
